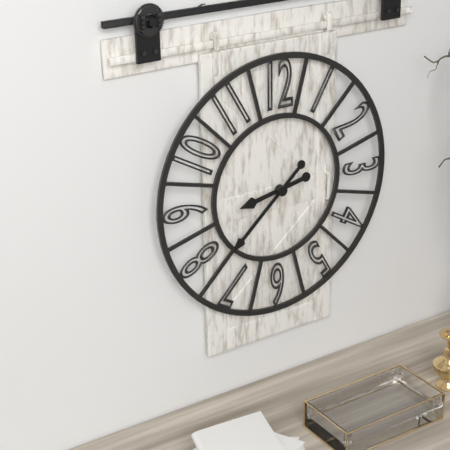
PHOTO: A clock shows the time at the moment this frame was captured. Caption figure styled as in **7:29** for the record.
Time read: **8:38**
